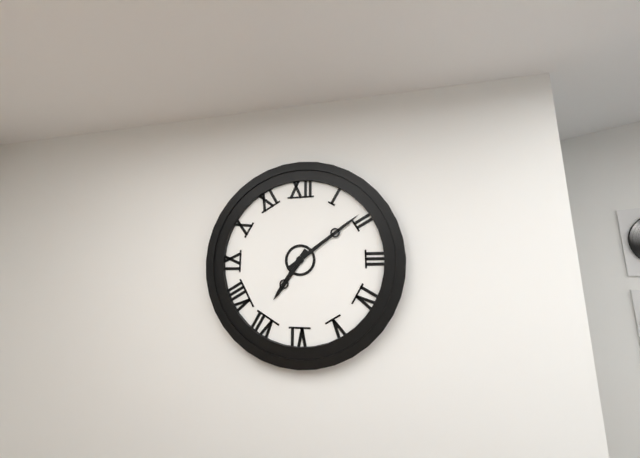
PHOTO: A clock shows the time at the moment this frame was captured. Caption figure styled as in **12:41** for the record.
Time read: **7:09**
